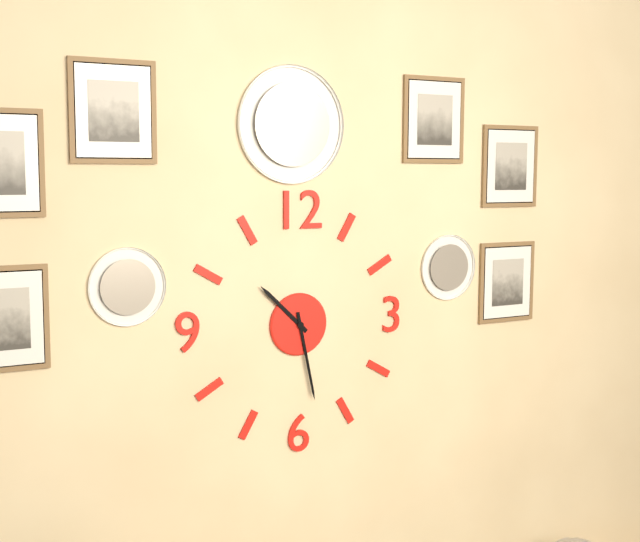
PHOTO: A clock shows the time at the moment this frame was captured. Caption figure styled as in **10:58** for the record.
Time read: **10:28**
